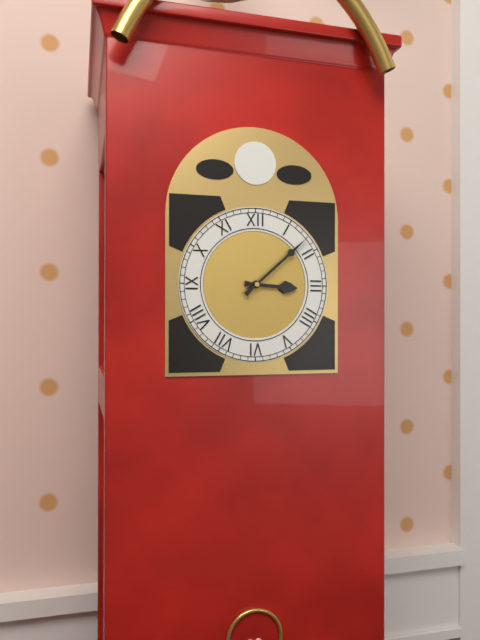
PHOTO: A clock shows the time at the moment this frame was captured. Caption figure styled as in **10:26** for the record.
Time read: **3:08**
